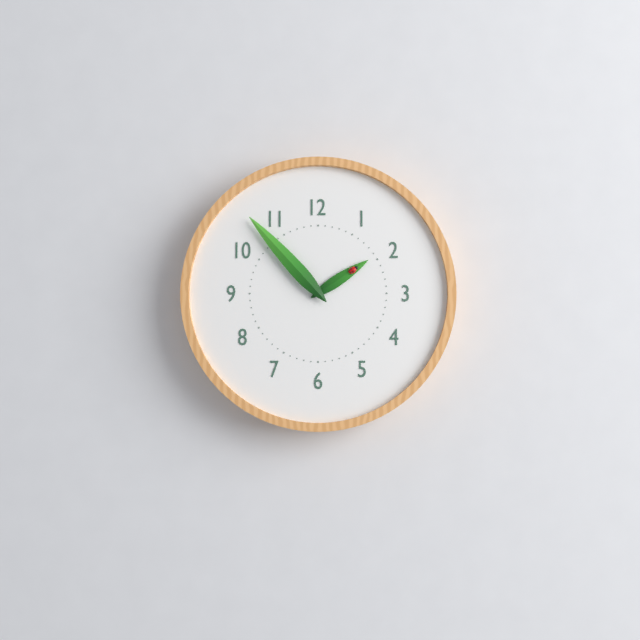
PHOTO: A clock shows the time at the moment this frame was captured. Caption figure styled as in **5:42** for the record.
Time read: **1:53**
